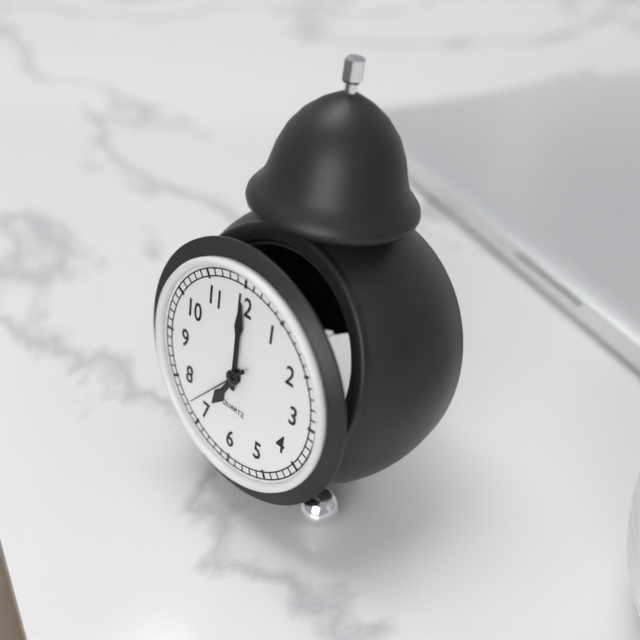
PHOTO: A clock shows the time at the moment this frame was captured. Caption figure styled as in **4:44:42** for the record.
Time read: **7:00:37**
